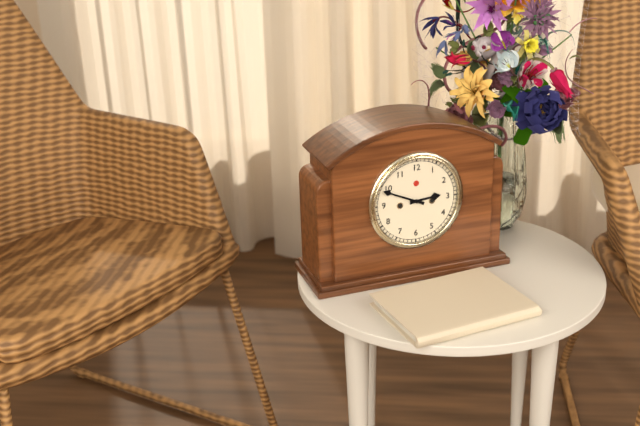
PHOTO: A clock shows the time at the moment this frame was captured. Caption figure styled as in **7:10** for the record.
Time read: **2:49**
